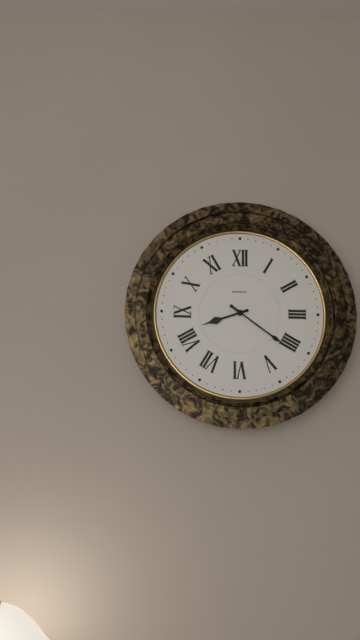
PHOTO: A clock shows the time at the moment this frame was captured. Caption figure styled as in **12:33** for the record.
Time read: **8:21**
